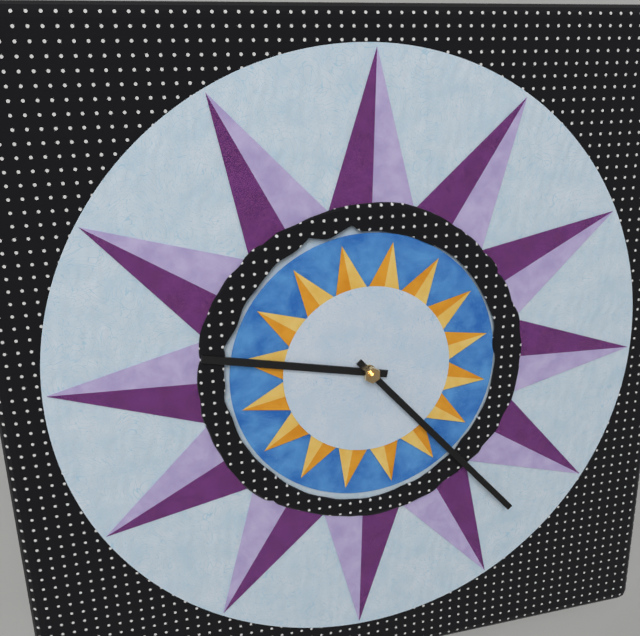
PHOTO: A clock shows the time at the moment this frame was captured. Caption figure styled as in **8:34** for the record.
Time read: **9:23**
